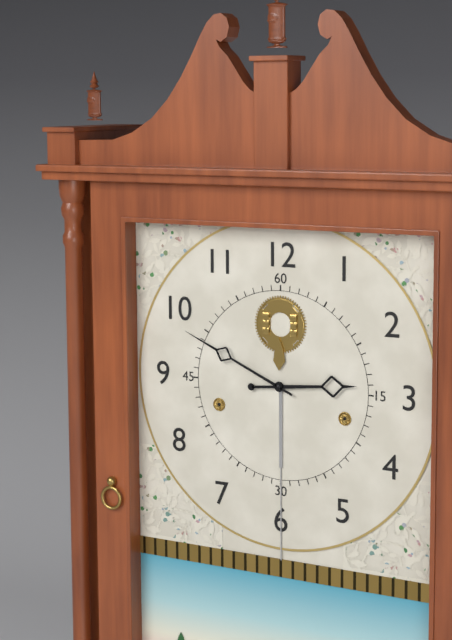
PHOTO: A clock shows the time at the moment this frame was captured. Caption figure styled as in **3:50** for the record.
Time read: **2:49**
